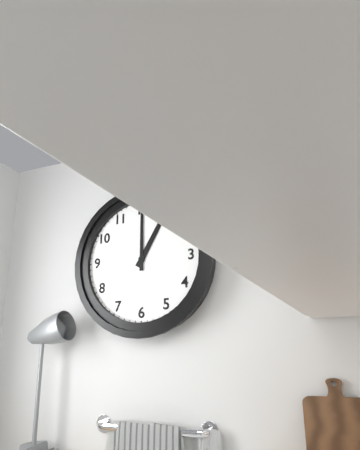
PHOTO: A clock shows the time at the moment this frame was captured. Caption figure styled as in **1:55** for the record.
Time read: **1:00**
